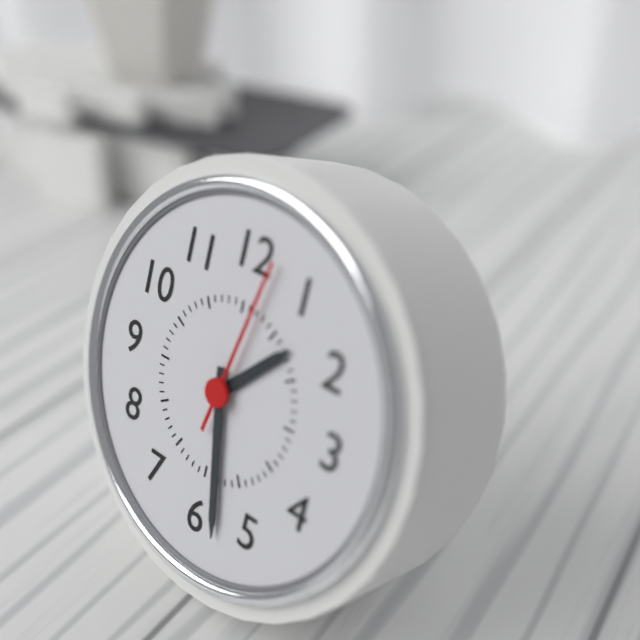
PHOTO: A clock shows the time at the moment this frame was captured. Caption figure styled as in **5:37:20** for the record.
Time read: **1:28:02**
